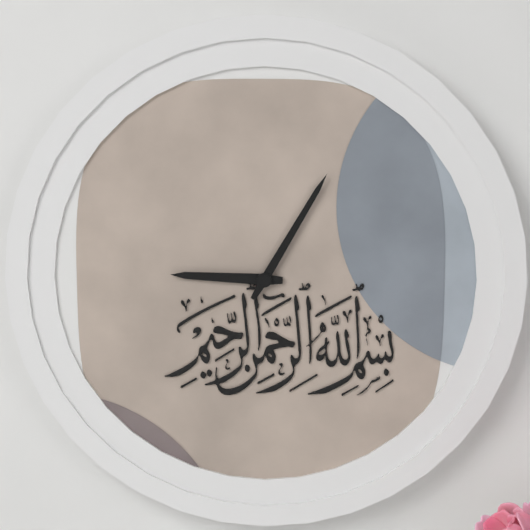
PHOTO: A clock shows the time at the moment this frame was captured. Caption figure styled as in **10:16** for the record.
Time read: **9:05**
